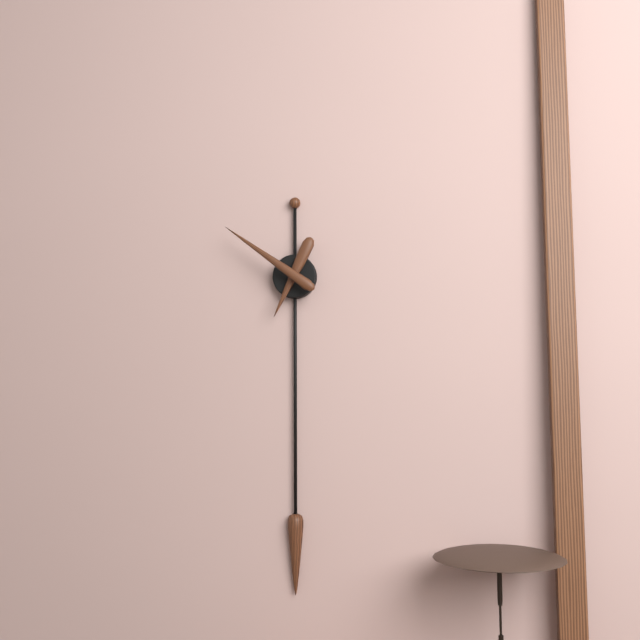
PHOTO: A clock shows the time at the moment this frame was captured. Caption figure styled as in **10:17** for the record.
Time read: **6:51**
